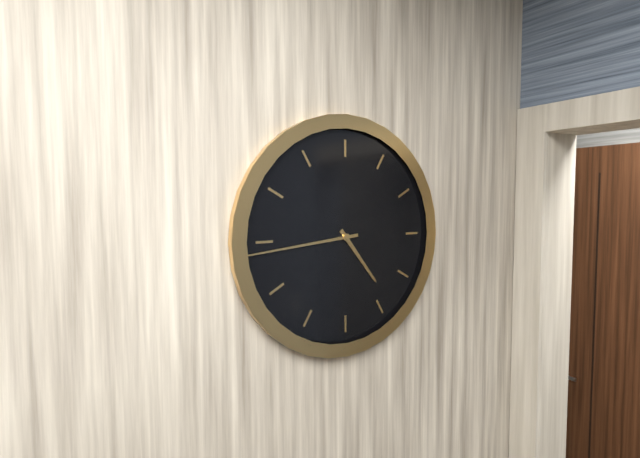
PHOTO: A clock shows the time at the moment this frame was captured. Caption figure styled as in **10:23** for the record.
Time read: **4:44**
